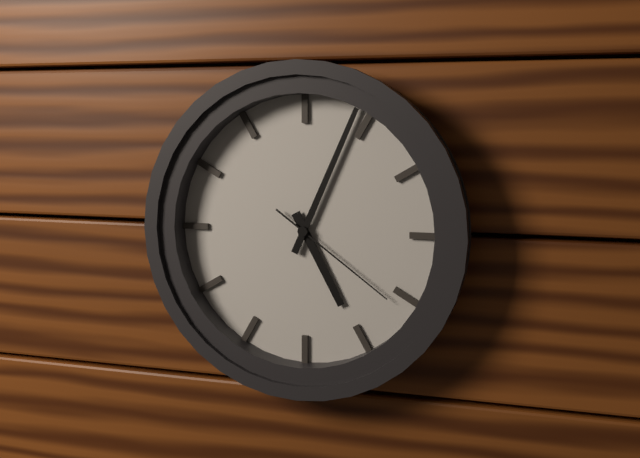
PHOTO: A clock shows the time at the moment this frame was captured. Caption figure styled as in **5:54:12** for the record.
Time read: **5:04:21**
